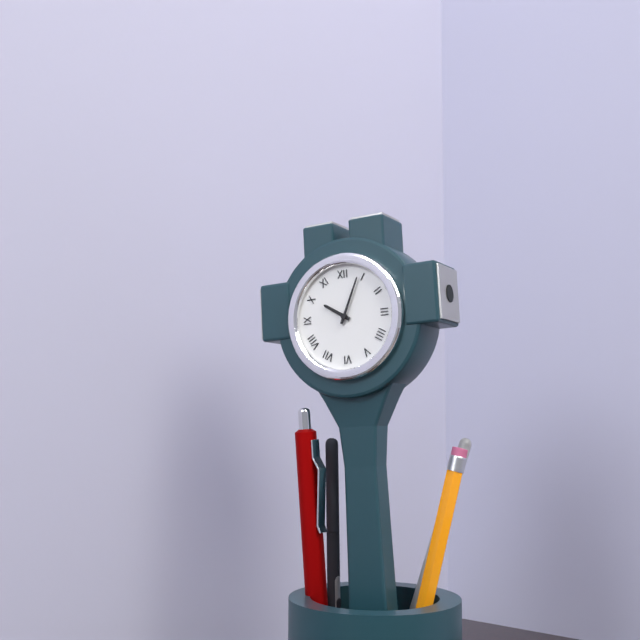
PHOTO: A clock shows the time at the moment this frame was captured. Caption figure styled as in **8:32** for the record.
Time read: **10:04**
